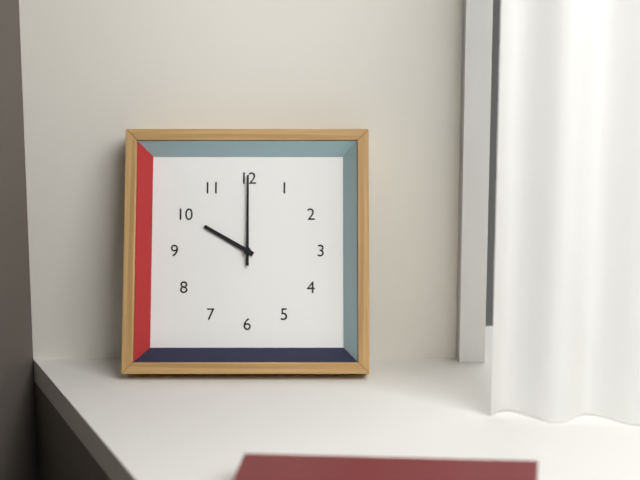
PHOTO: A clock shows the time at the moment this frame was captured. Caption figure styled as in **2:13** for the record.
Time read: **10:00**
